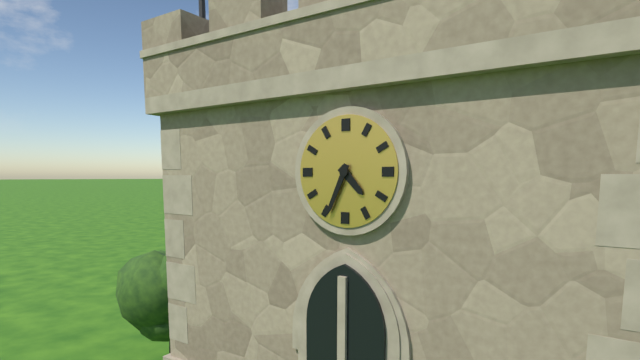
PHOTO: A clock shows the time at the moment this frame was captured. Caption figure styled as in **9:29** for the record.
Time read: **4:34**
